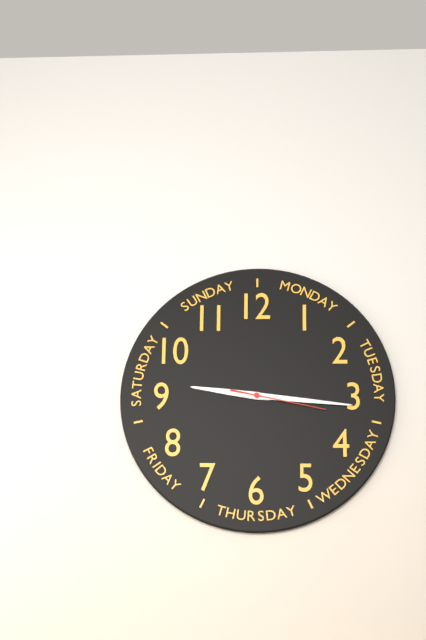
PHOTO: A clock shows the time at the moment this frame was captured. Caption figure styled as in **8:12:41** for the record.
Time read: **9:16:17**
